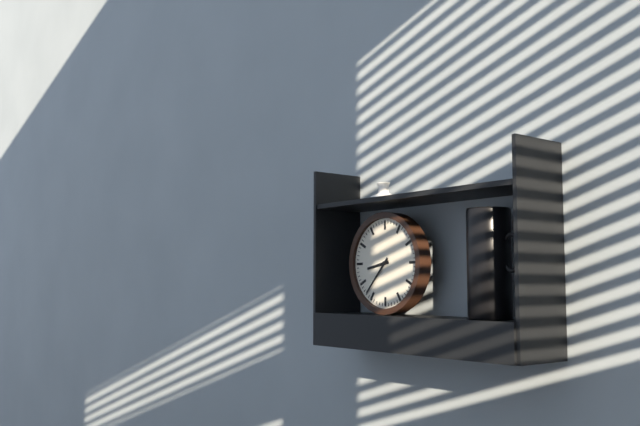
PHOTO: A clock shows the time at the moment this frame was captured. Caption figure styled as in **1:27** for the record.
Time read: **8:37**
